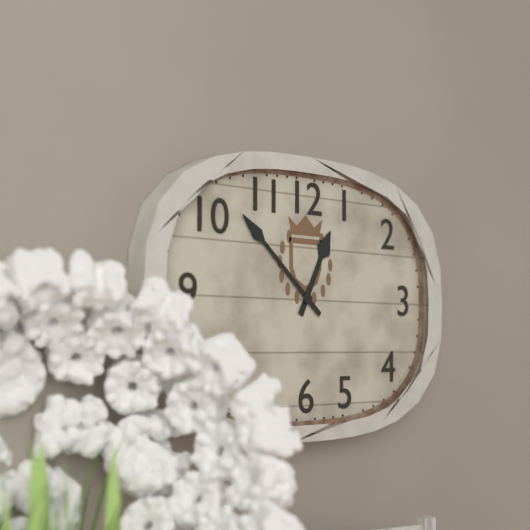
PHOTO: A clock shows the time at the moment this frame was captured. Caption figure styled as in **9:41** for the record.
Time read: **12:52**
